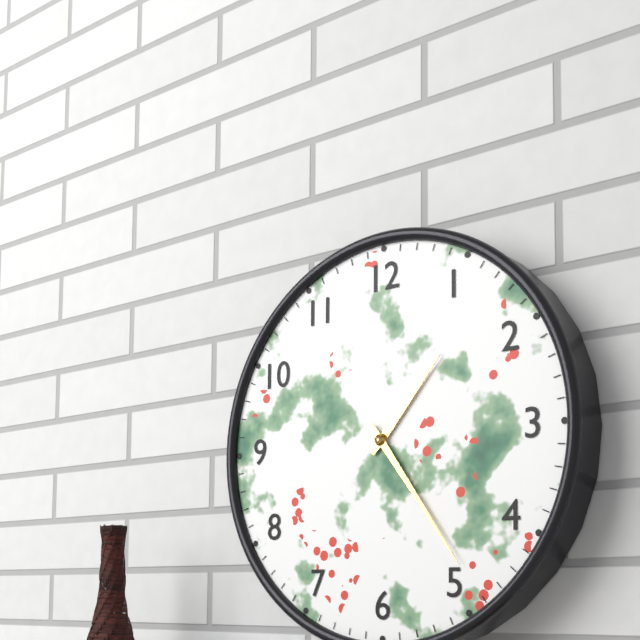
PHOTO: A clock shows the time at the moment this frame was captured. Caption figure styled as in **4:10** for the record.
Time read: **1:24**
